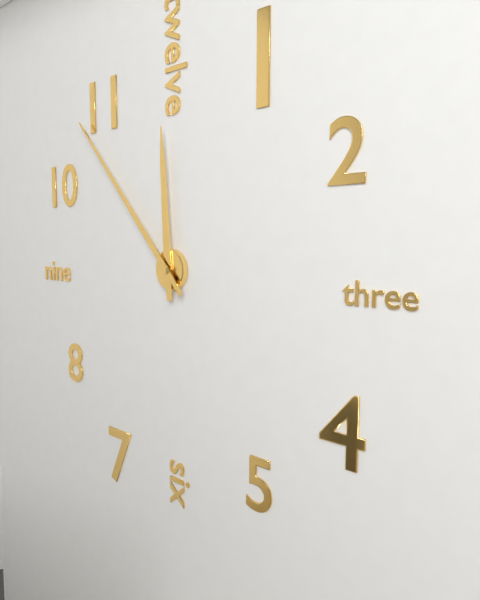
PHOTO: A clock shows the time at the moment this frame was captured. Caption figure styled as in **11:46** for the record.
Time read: **11:53**
